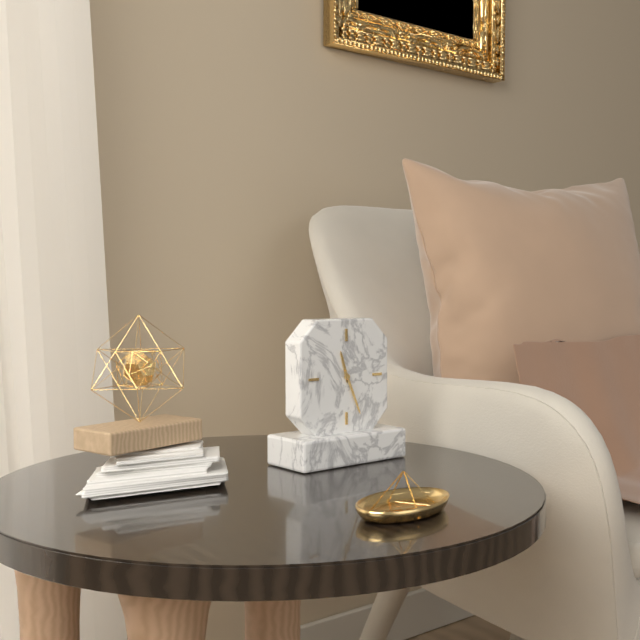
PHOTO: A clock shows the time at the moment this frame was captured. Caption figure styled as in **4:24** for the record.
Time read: **11:26**
